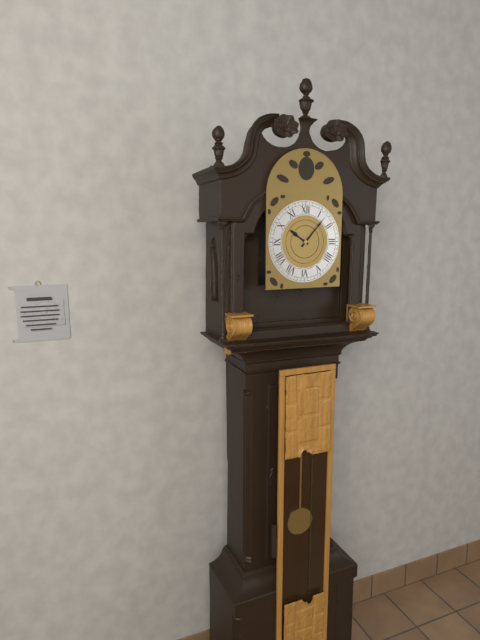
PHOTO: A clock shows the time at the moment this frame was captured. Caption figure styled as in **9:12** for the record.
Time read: **10:07**
